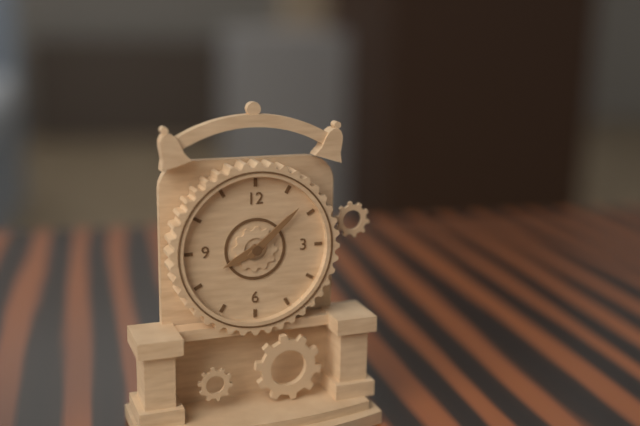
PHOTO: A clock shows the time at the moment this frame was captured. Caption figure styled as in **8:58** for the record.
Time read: **8:08**
